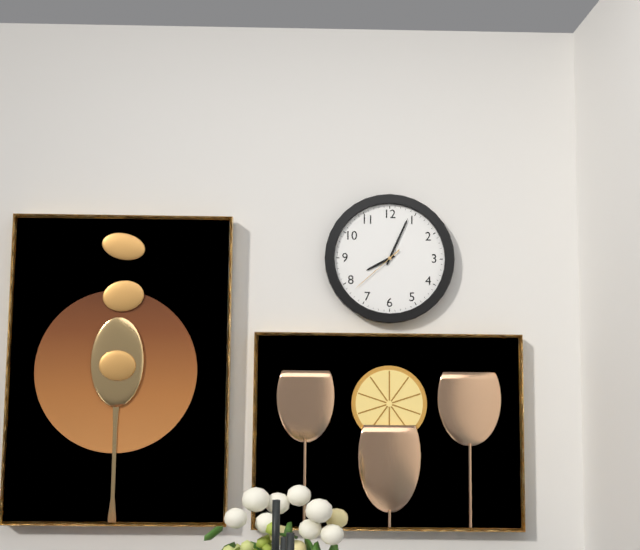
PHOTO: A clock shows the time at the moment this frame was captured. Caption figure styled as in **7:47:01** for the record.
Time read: **8:04:38**
